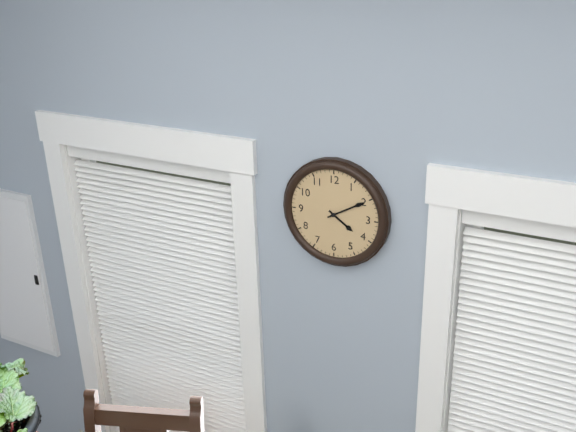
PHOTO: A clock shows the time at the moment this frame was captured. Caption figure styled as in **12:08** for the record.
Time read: **4:10**
